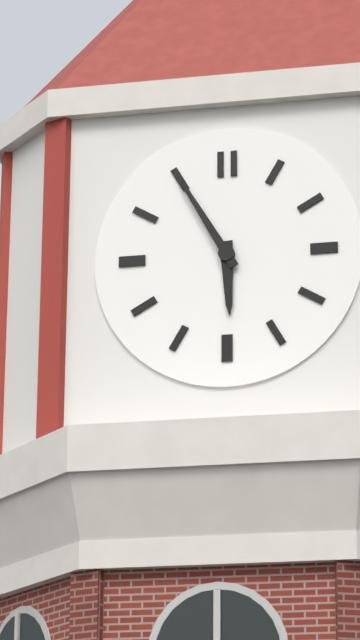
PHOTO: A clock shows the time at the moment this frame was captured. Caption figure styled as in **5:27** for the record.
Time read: **5:55**
